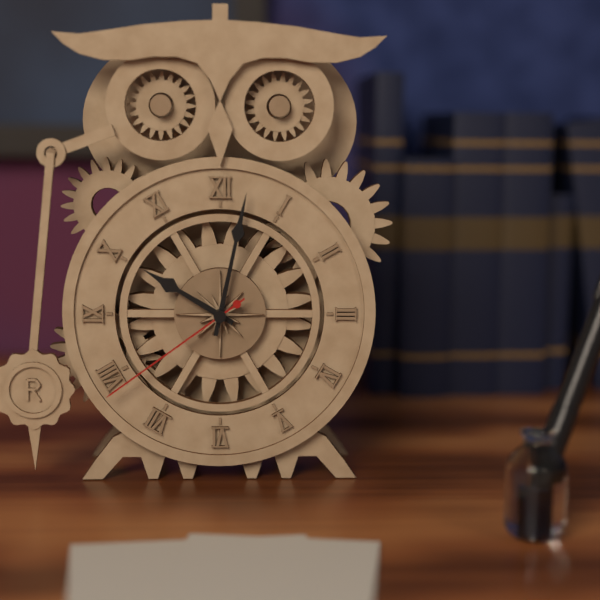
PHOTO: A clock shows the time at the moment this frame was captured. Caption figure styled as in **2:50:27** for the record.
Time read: **10:02:39**
